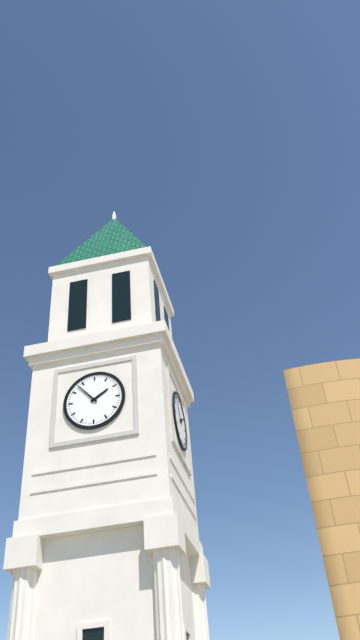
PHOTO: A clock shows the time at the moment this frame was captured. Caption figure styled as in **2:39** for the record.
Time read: **1:53**
